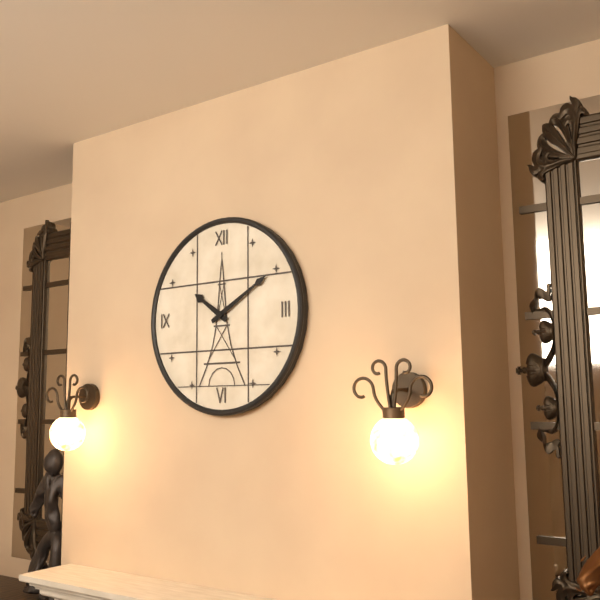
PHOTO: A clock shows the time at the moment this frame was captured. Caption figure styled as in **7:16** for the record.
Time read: **10:10**
